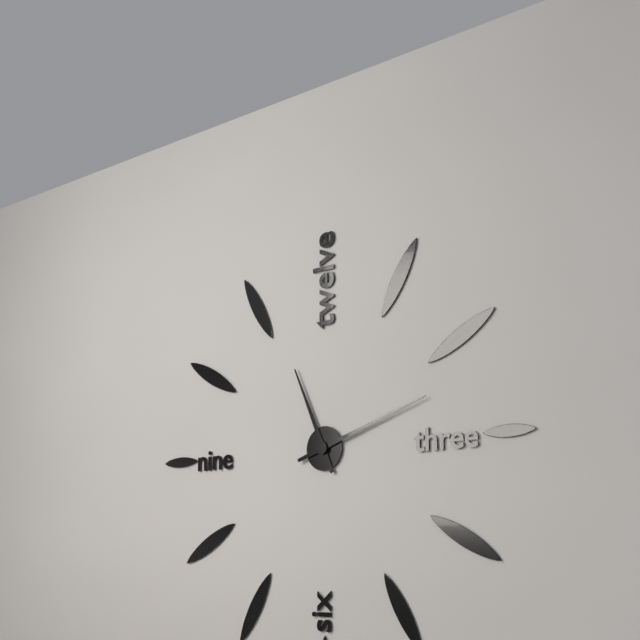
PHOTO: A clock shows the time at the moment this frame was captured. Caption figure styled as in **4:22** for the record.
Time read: **11:12**
